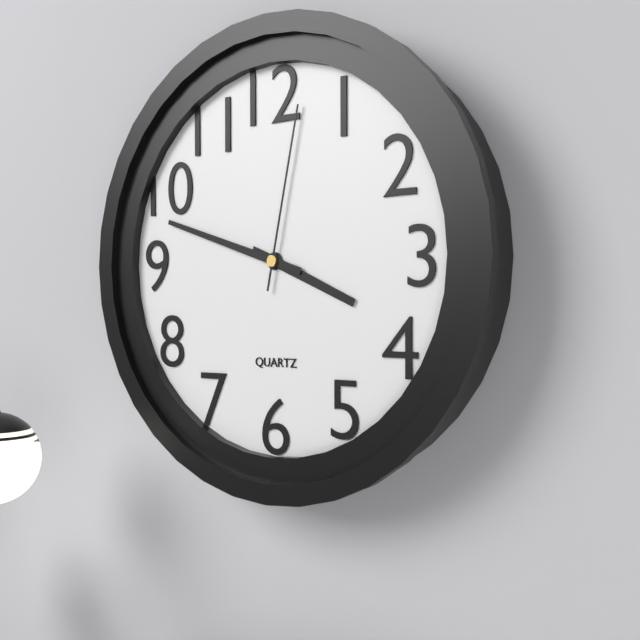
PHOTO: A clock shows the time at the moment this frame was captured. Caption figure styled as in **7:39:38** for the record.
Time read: **3:48:02**
